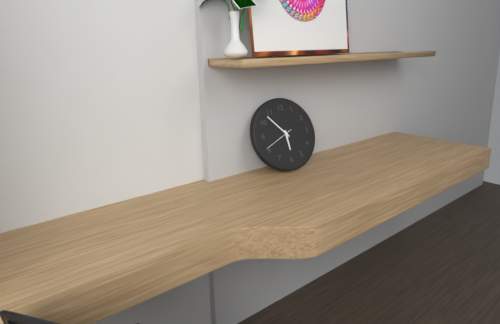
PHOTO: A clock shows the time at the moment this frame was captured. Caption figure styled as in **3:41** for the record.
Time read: **5:53**
